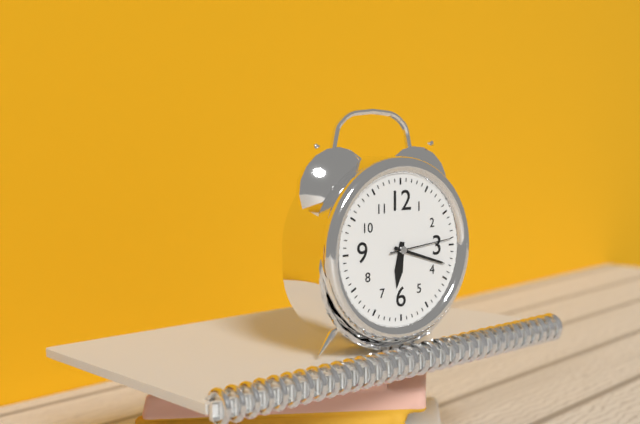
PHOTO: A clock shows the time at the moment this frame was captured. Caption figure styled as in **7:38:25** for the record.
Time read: **6:18:14**
